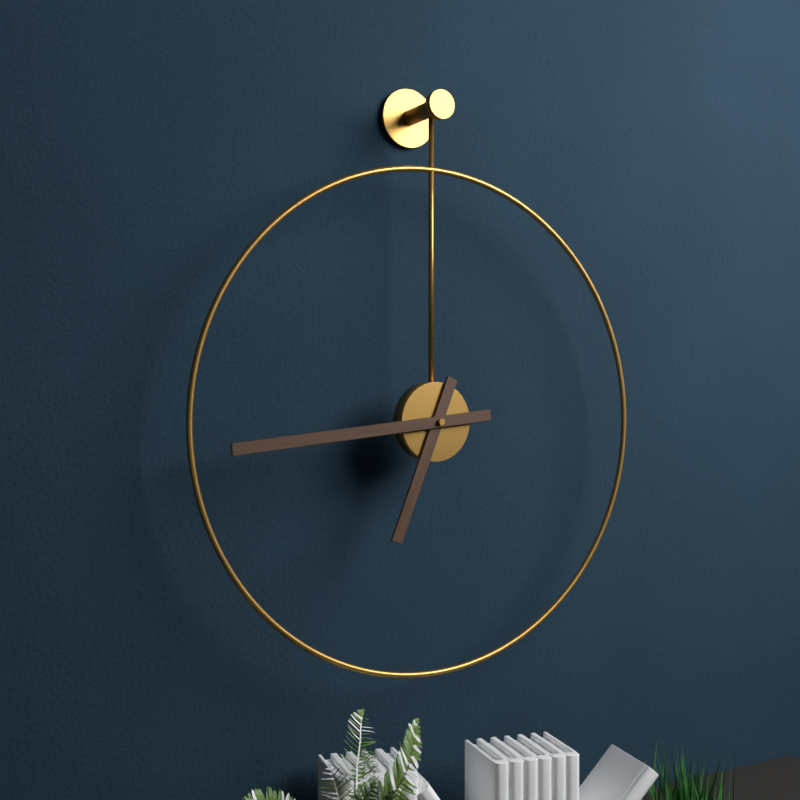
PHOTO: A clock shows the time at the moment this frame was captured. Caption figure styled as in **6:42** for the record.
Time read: **6:44**
